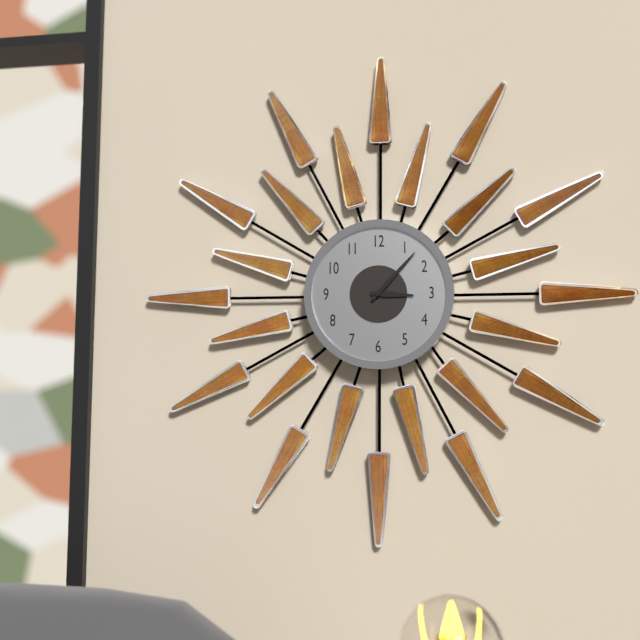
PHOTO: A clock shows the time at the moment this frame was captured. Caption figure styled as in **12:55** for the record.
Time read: **3:07**
